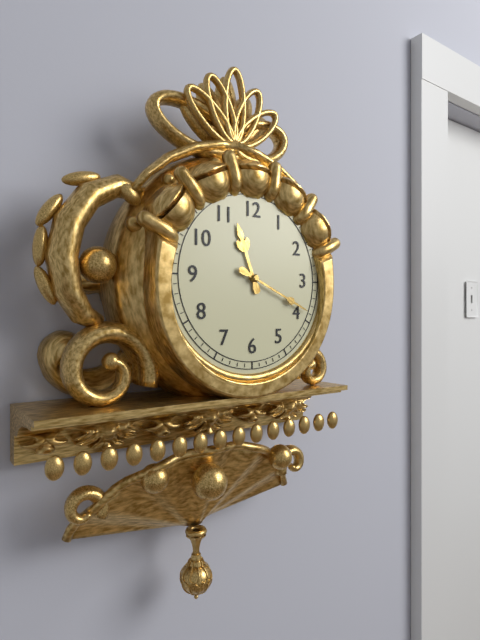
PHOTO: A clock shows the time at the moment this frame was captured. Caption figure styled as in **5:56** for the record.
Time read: **11:19**
